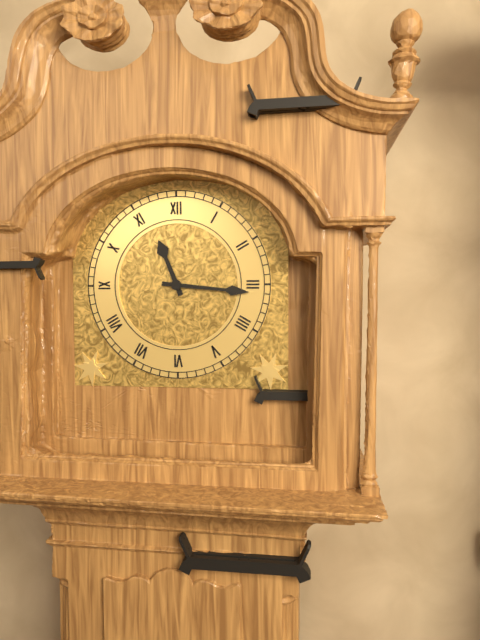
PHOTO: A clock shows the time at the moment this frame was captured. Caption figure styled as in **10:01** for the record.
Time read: **11:16**
